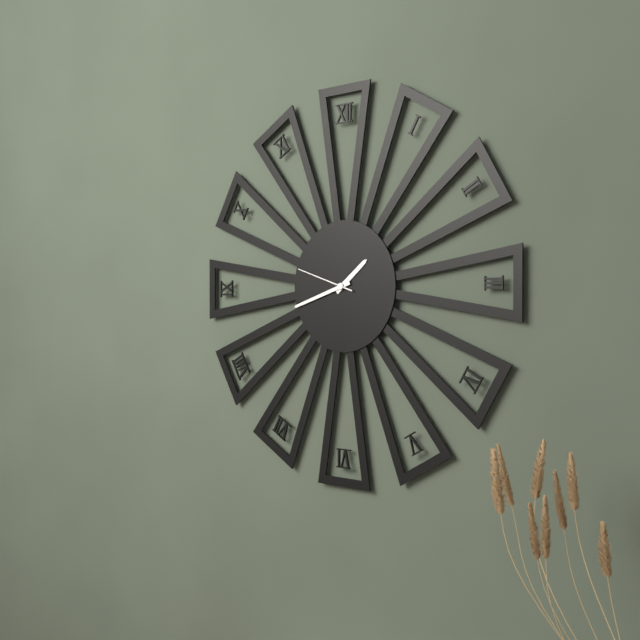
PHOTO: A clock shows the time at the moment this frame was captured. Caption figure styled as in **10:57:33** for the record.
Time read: **1:42:48**
